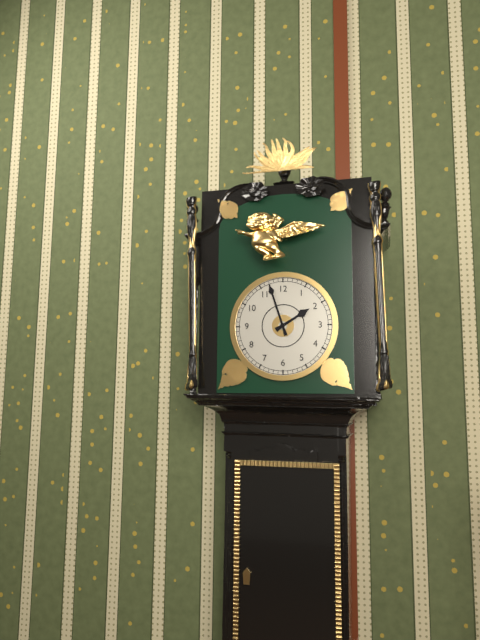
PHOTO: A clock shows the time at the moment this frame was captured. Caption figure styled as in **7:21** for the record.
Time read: **1:57**
